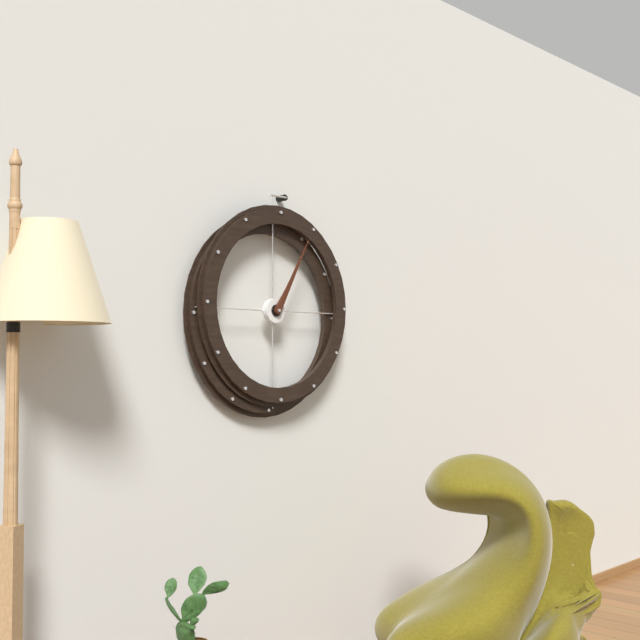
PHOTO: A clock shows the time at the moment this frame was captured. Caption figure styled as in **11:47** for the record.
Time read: **1:05**
